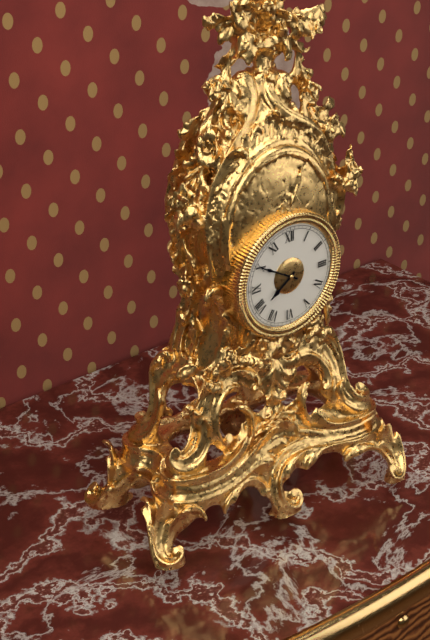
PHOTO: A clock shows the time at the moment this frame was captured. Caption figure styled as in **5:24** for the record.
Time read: **7:50**
